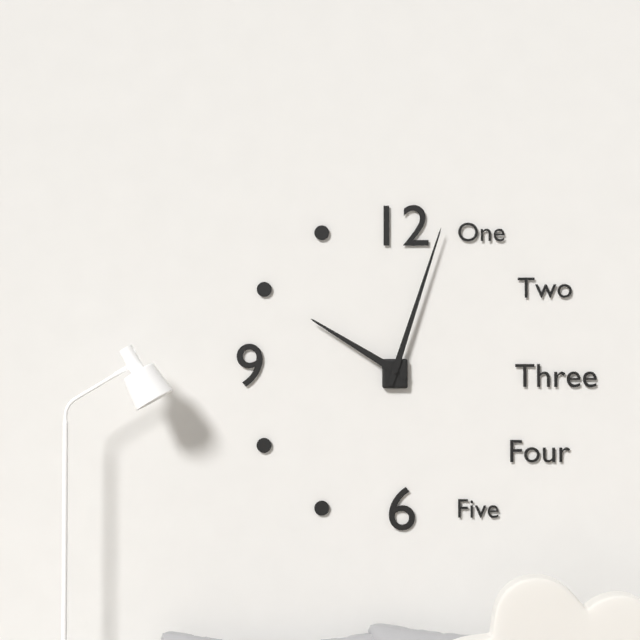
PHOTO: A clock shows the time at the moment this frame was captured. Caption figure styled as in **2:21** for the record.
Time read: **10:03**
